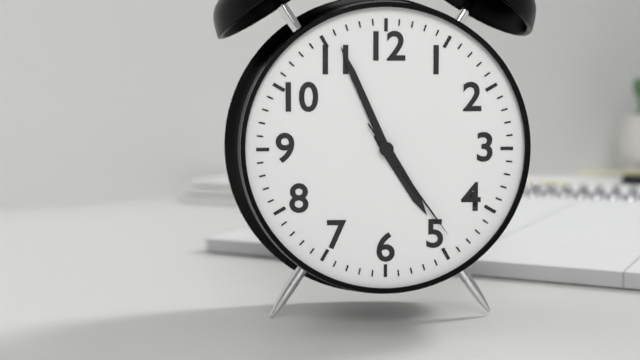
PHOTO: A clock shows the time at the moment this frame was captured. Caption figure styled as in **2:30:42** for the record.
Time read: **4:56:24**
